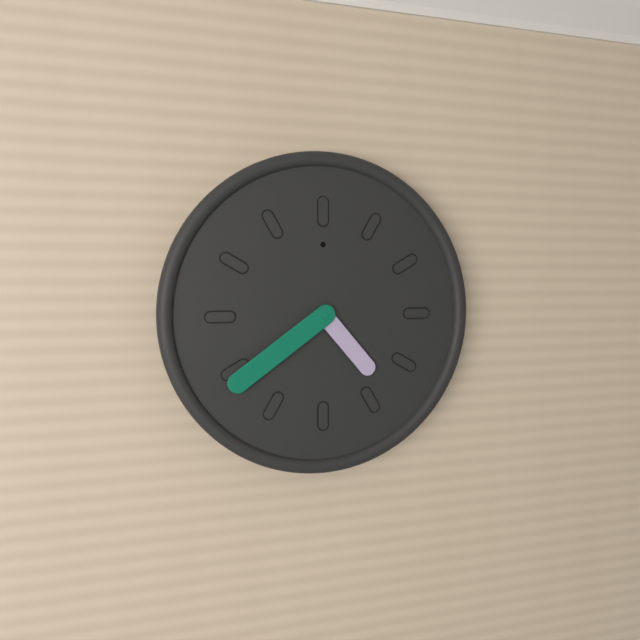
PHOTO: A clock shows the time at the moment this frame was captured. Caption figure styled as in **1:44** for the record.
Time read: **4:39**
